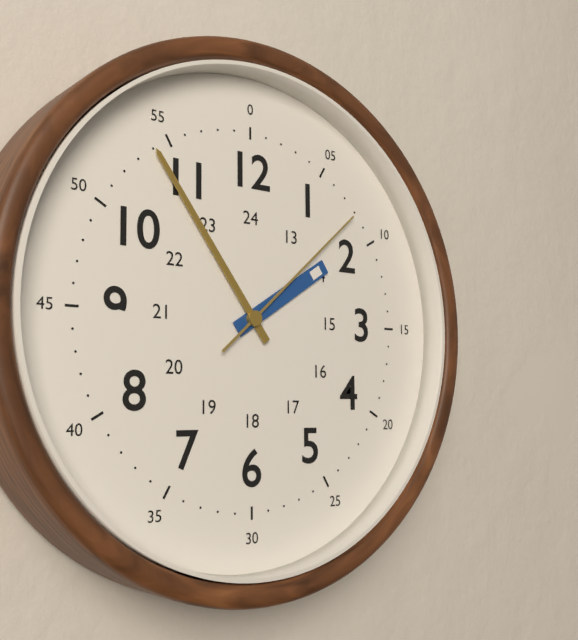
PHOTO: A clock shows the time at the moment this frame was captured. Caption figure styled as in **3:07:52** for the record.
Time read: **1:54:08**
